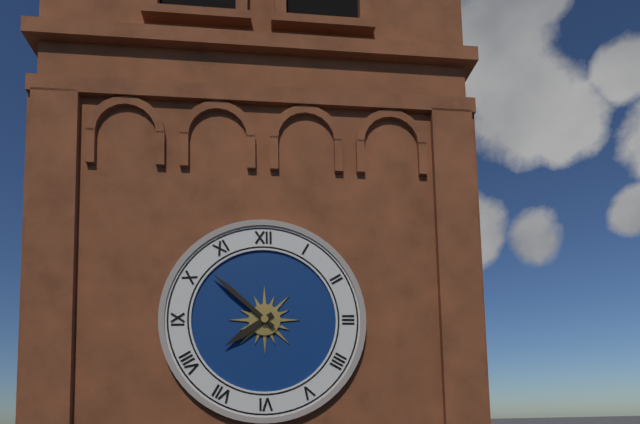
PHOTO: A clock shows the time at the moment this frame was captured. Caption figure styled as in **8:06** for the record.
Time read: **7:52**
